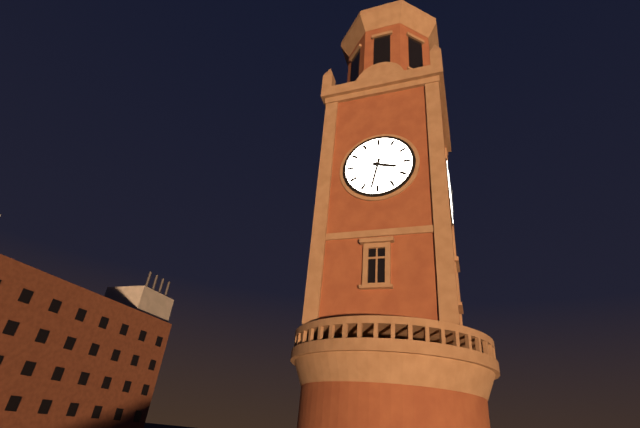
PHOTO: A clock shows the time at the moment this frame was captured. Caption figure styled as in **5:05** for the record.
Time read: **3:32**
